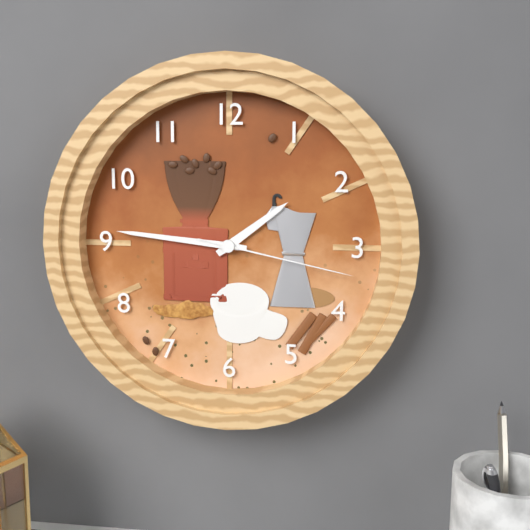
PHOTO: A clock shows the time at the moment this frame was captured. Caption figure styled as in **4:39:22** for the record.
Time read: **1:46:17**
